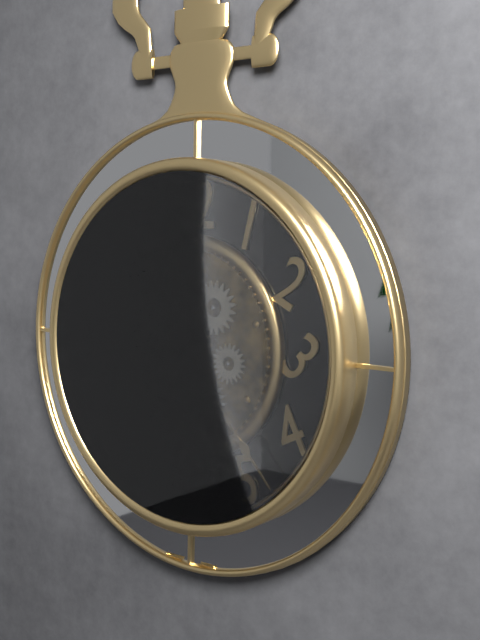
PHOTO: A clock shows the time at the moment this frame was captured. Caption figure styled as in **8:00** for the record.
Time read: **8:23**
